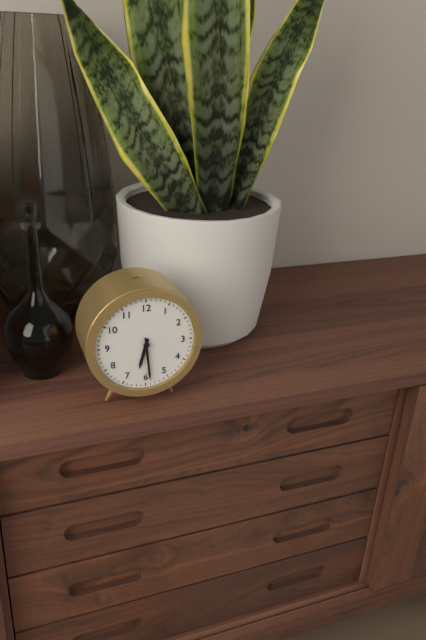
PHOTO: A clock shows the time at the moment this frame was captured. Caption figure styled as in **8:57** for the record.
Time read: **6:29**
